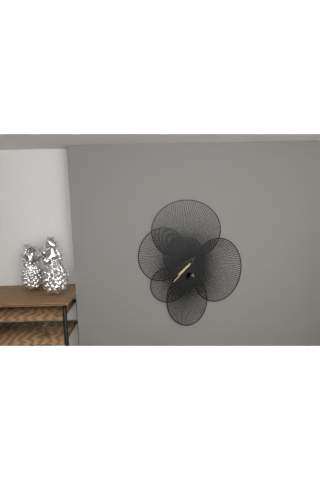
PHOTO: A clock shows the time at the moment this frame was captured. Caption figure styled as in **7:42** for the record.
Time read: **7:37**
